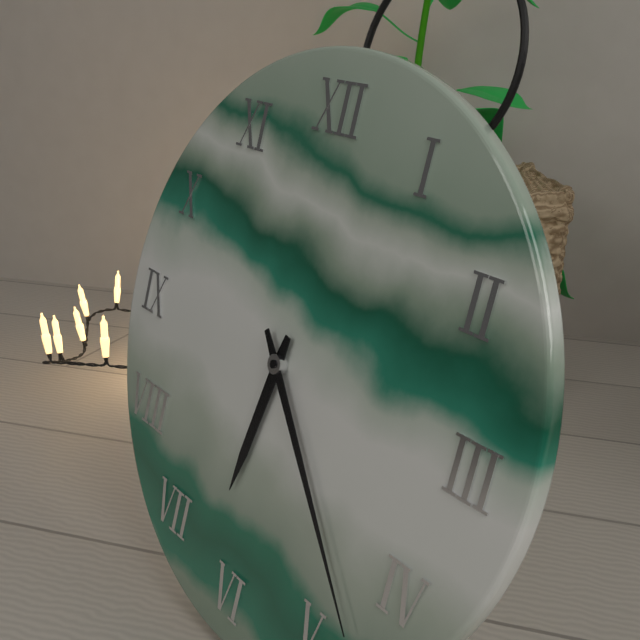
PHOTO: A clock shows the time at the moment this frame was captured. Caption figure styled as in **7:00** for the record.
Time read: **6:23**
